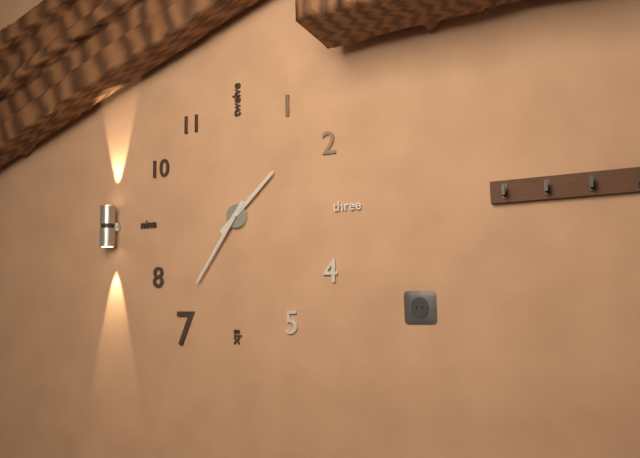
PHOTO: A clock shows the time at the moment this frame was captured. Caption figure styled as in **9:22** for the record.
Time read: **1:36**
